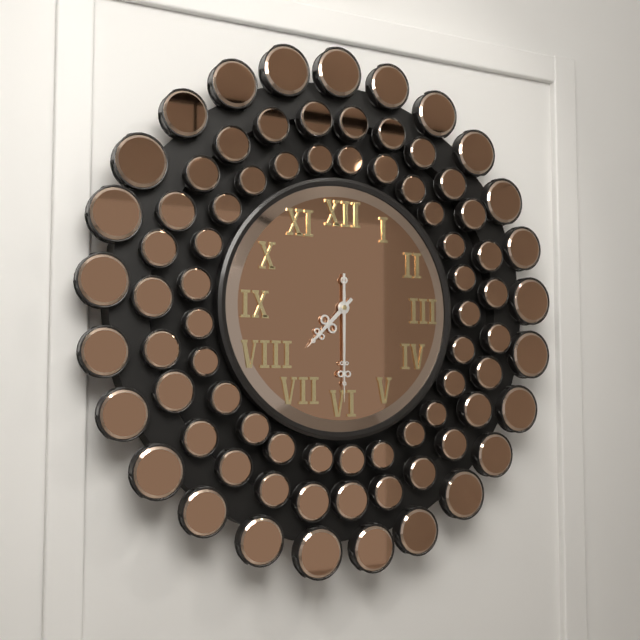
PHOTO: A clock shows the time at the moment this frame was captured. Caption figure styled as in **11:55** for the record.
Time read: **7:30**
